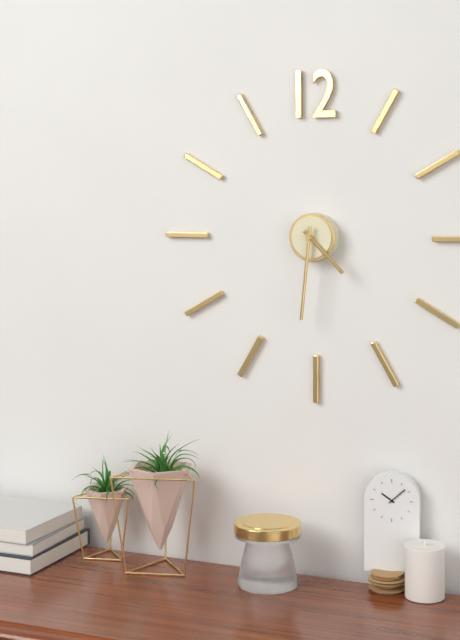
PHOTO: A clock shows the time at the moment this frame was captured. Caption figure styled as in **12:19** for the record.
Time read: **4:31**
